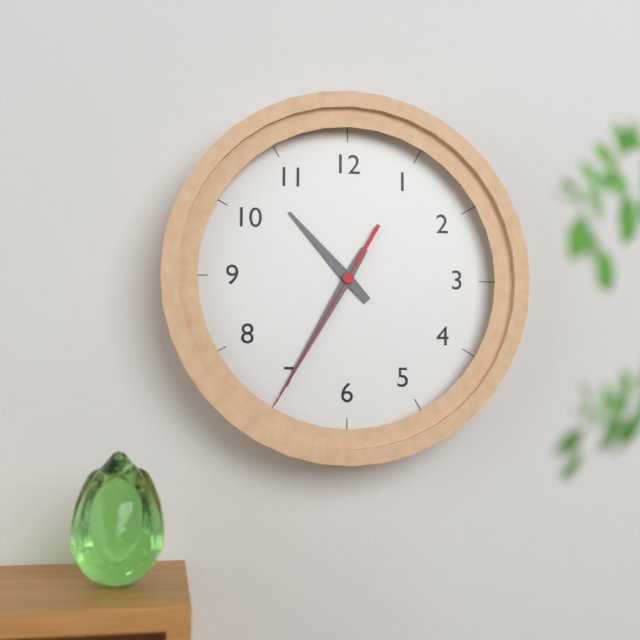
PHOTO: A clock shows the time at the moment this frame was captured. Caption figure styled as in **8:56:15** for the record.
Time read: **10:35:35**
